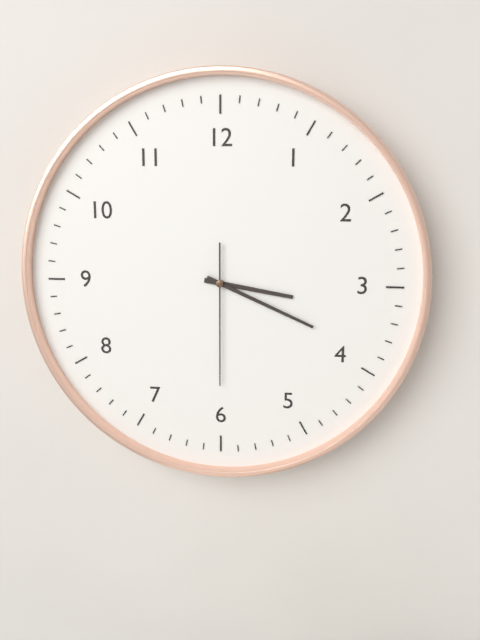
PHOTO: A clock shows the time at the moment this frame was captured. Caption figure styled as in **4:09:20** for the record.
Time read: **3:19:30**
